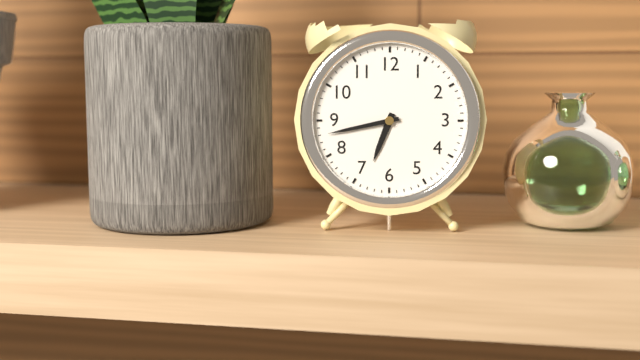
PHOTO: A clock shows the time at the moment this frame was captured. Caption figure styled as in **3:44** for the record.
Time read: **6:43**
